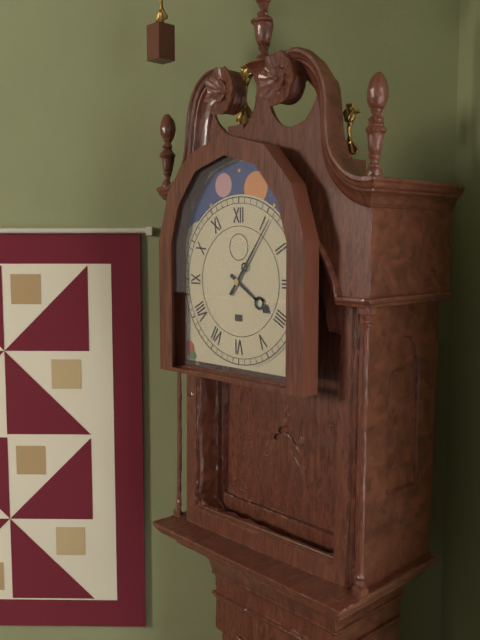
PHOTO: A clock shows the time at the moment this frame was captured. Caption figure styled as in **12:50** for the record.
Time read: **4:06**
